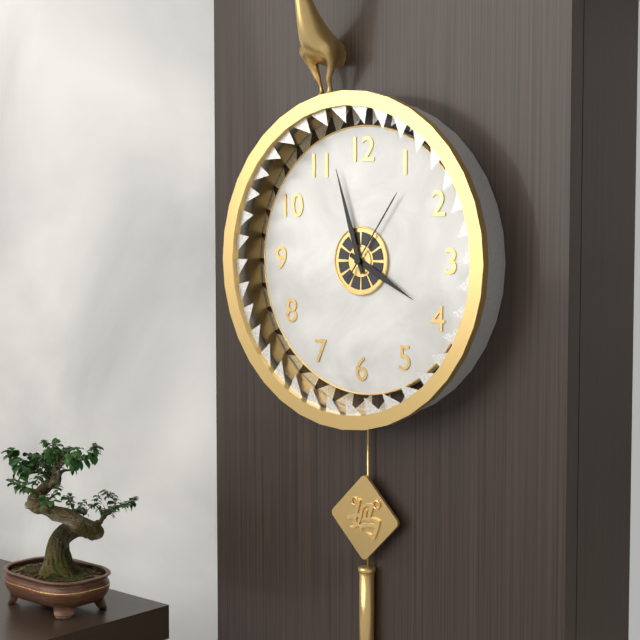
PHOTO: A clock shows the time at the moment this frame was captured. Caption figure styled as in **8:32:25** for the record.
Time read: **3:57:06**
